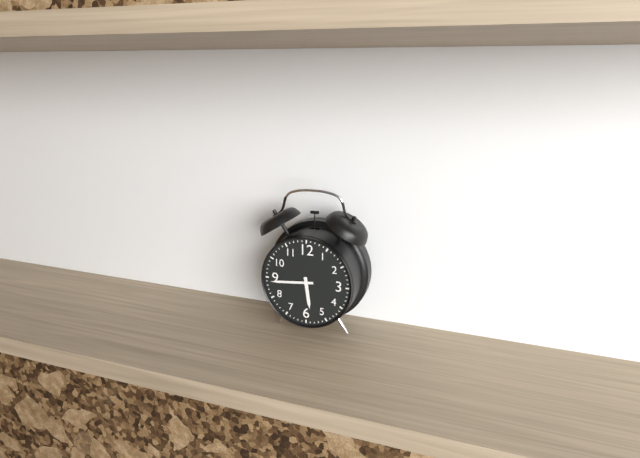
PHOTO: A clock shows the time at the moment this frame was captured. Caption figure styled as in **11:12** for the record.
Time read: **5:44**
